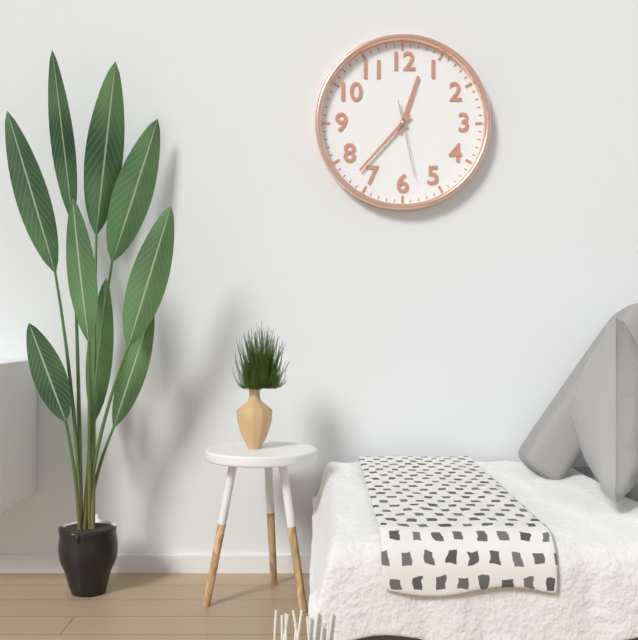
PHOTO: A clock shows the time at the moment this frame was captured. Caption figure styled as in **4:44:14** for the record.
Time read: **12:37:28**
